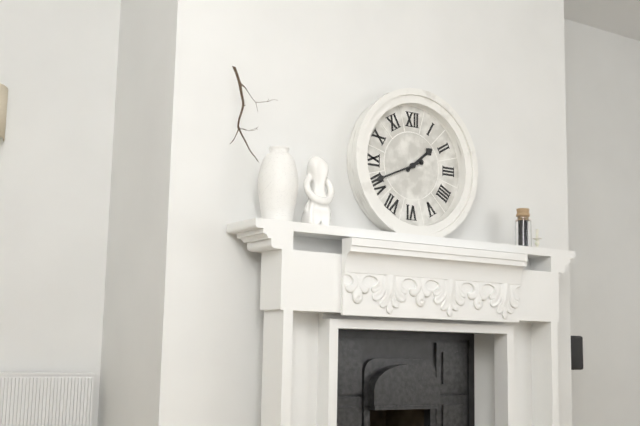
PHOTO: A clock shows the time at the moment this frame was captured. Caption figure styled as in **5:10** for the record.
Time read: **1:41**
